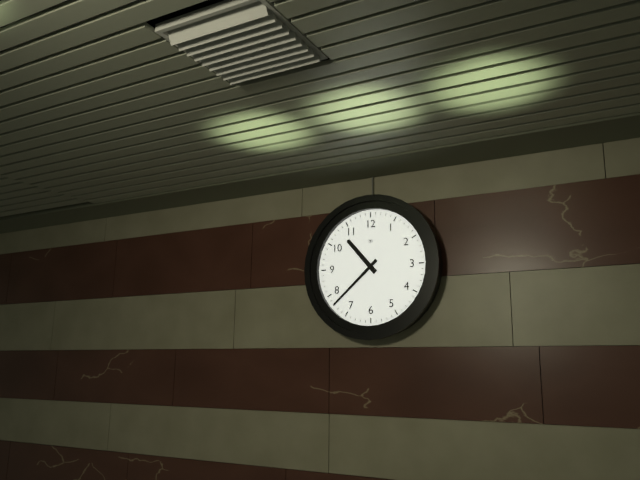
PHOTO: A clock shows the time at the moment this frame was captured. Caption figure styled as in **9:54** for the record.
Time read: **10:38**
